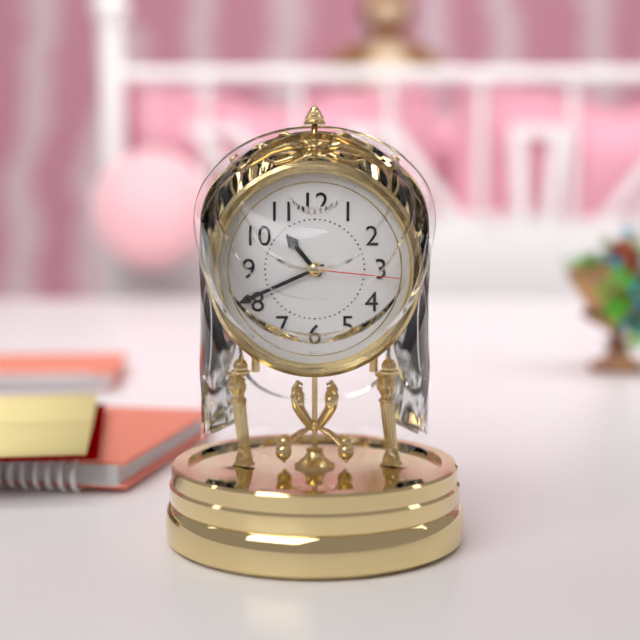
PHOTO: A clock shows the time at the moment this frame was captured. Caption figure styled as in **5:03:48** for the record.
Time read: **10:41:16**
